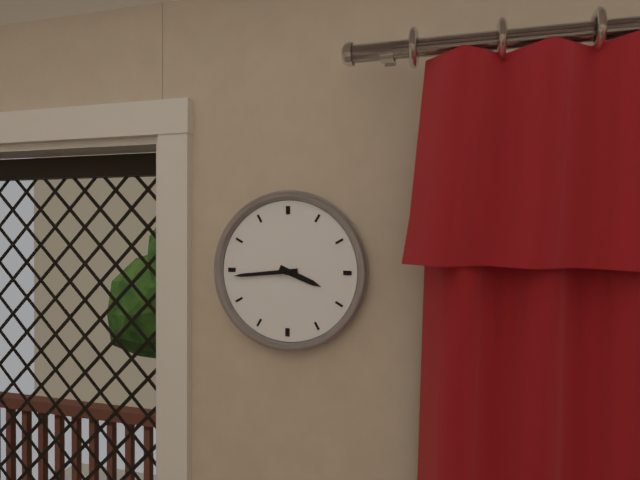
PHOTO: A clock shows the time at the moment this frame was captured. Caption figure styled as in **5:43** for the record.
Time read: **3:44**
